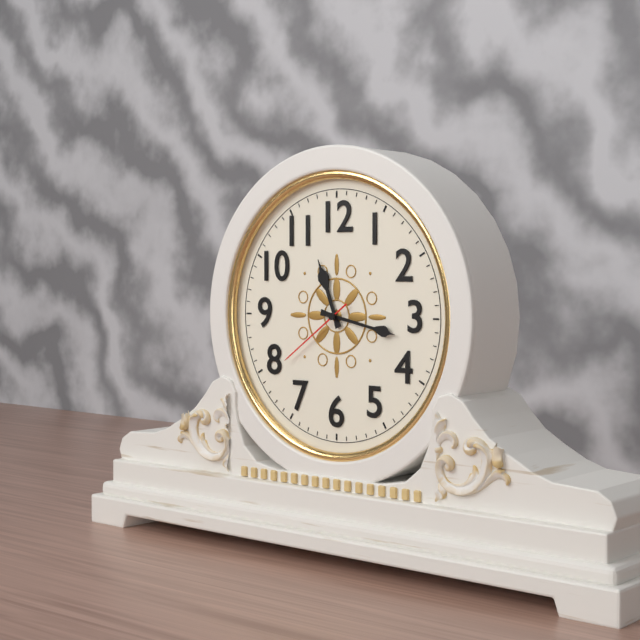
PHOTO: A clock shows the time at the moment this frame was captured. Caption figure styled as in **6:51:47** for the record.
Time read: **11:17:39**
